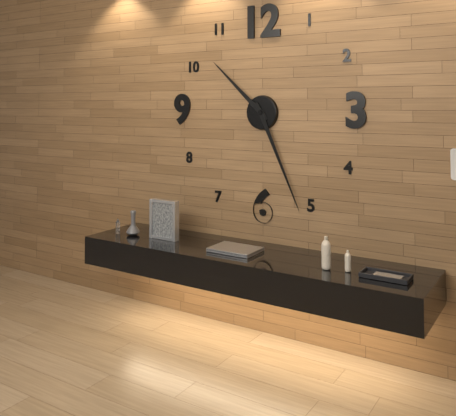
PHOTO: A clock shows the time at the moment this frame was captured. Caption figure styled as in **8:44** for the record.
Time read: **10:26**
